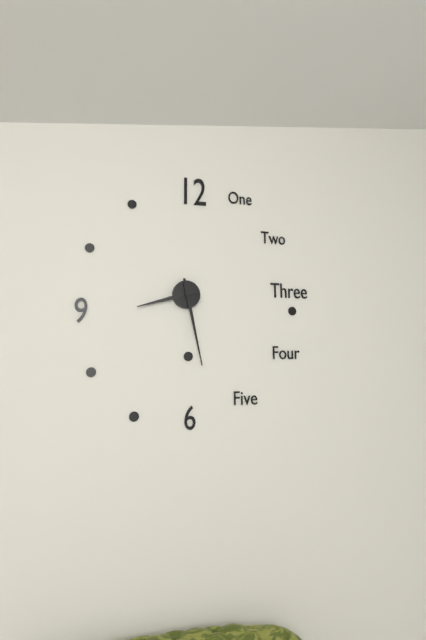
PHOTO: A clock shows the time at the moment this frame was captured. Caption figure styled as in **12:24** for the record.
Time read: **8:28**
